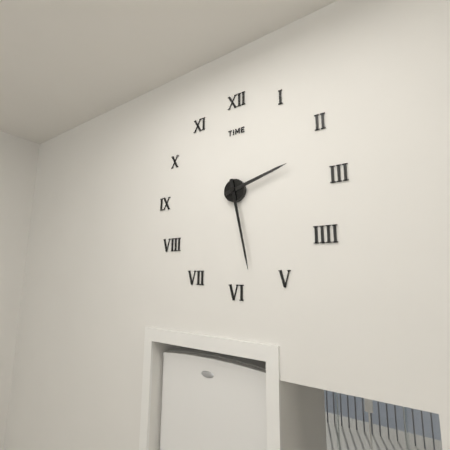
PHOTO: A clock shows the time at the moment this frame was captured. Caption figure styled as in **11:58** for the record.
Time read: **2:28**
